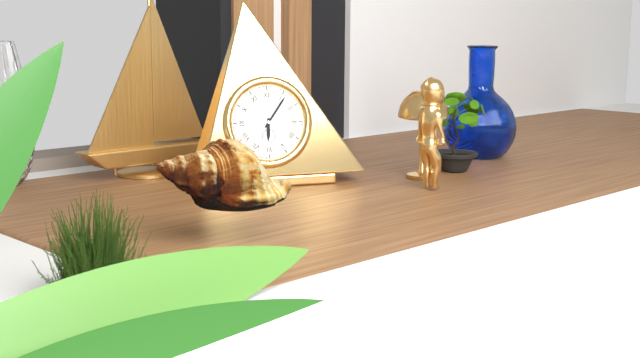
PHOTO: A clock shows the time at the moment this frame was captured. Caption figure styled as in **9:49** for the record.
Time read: **6:06**
